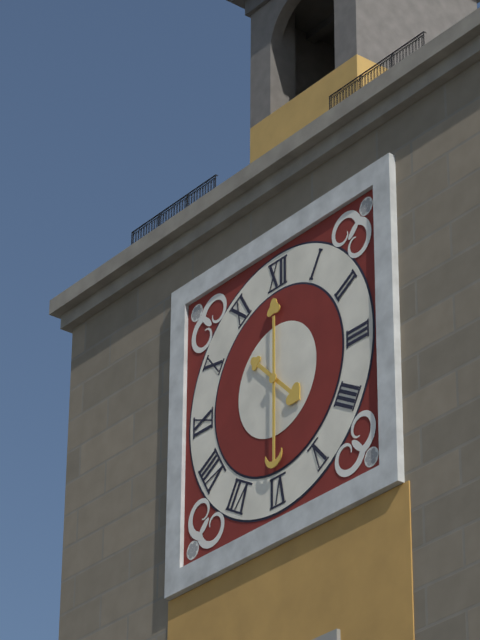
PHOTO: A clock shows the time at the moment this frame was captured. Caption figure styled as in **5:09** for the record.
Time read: **4:30**
